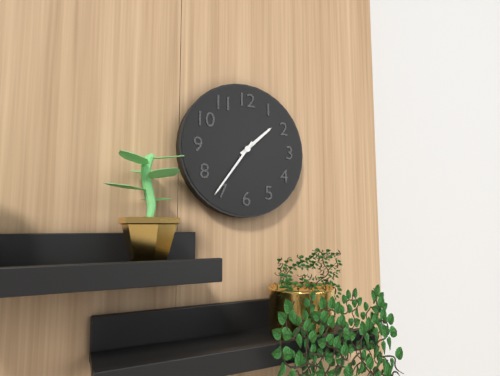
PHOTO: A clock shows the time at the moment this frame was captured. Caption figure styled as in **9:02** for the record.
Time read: **1:36**
